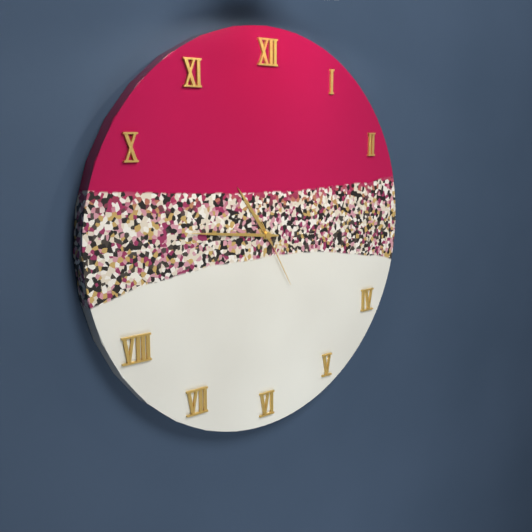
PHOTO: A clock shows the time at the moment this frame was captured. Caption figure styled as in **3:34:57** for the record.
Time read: **10:46:25**
